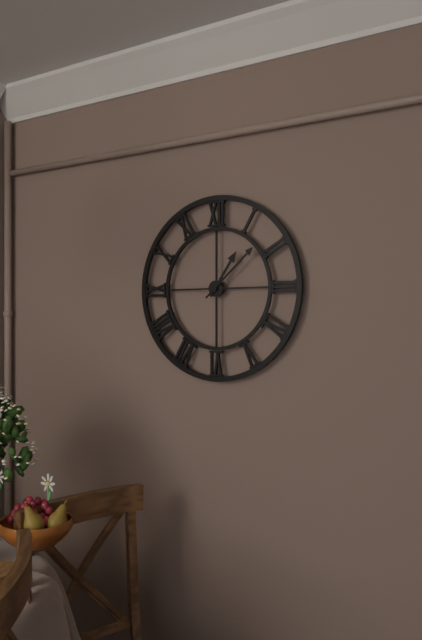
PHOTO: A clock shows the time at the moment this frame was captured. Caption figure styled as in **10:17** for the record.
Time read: **1:08**
